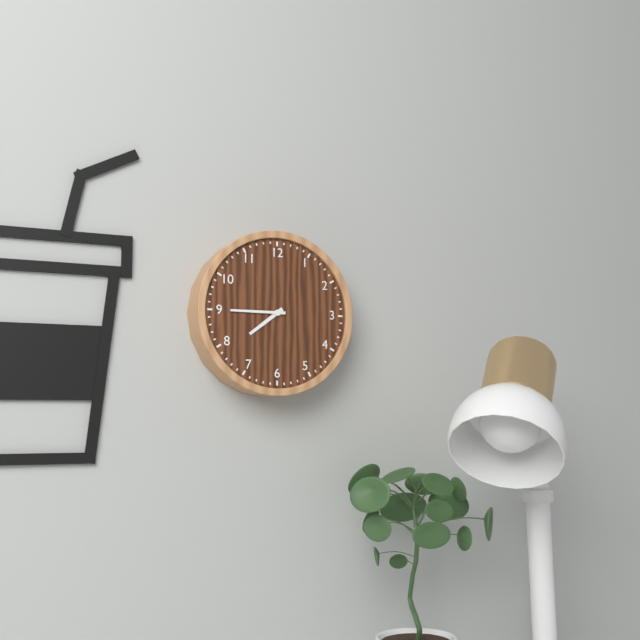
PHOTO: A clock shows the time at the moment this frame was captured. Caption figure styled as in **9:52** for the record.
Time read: **7:45**
